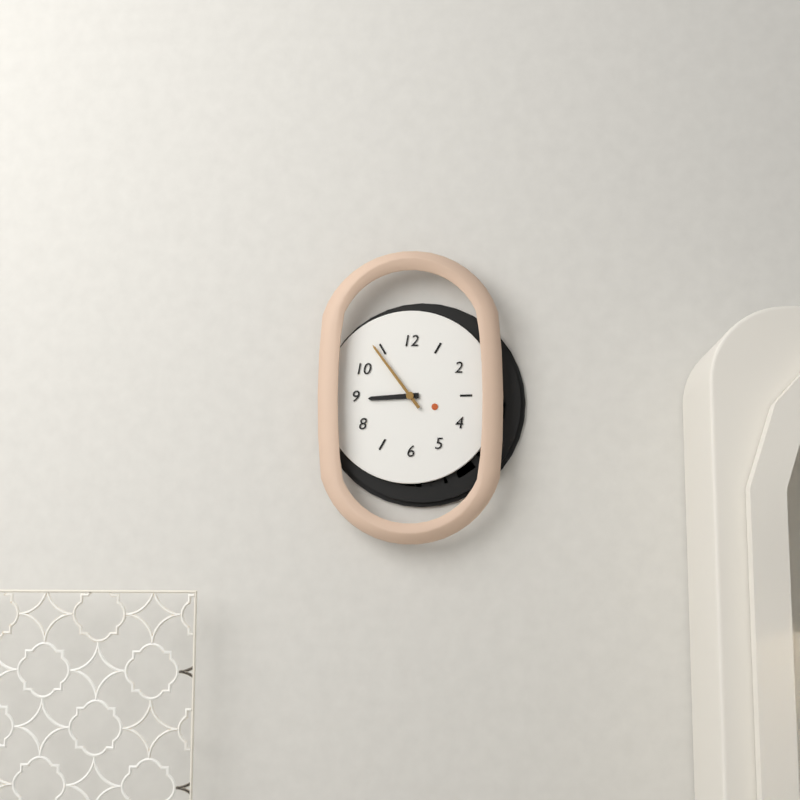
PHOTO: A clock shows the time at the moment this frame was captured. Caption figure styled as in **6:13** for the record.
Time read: **8:54**
